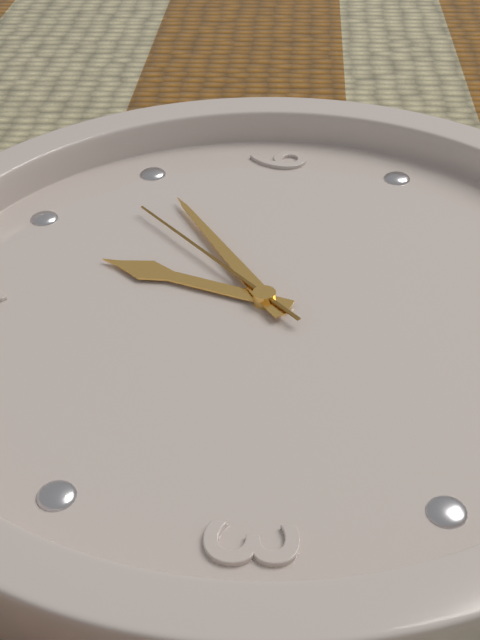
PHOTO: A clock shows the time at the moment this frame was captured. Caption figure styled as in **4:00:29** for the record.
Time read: **6:40:38**
